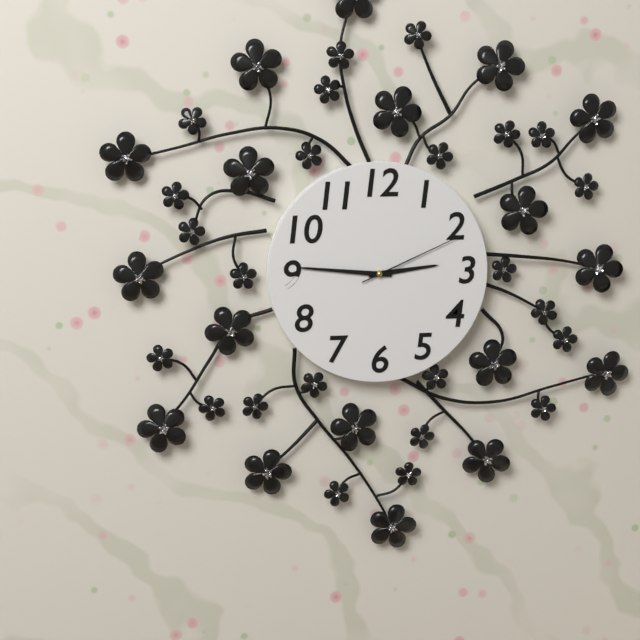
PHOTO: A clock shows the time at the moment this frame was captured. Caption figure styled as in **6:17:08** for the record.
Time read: **2:46:11**
